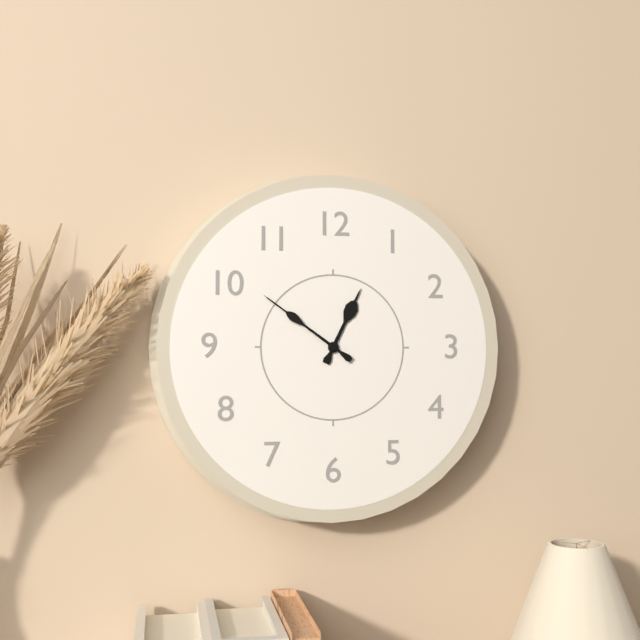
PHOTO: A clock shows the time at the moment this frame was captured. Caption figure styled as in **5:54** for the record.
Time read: **12:51**
